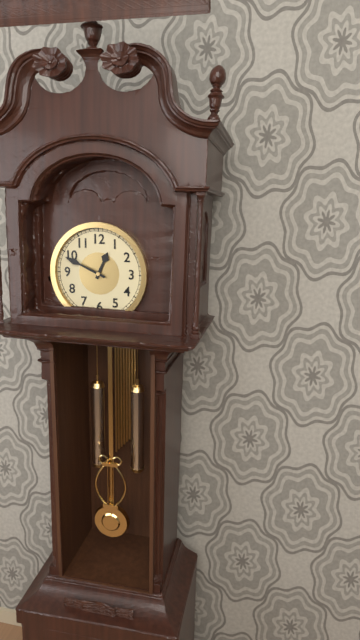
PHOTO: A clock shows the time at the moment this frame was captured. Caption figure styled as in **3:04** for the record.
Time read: **12:49**
